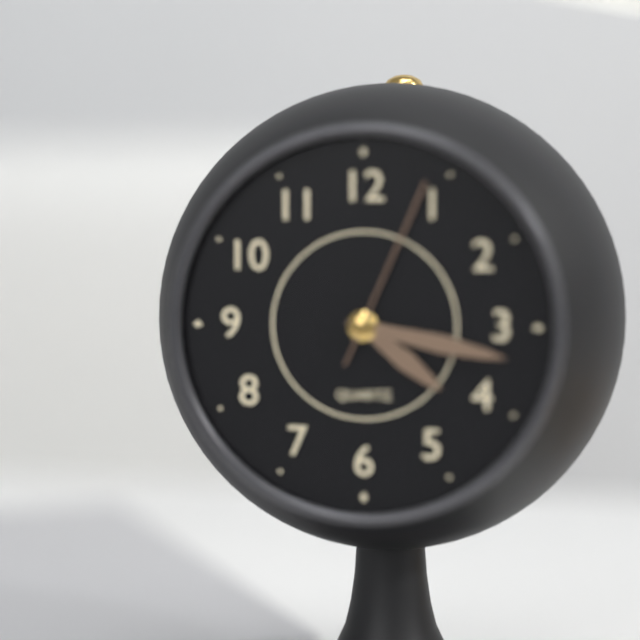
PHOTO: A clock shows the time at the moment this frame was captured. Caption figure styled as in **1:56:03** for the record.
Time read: **4:17:04**
